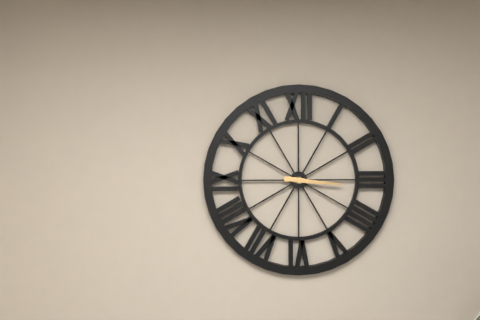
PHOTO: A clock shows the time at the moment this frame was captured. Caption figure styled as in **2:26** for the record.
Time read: **3:16**
